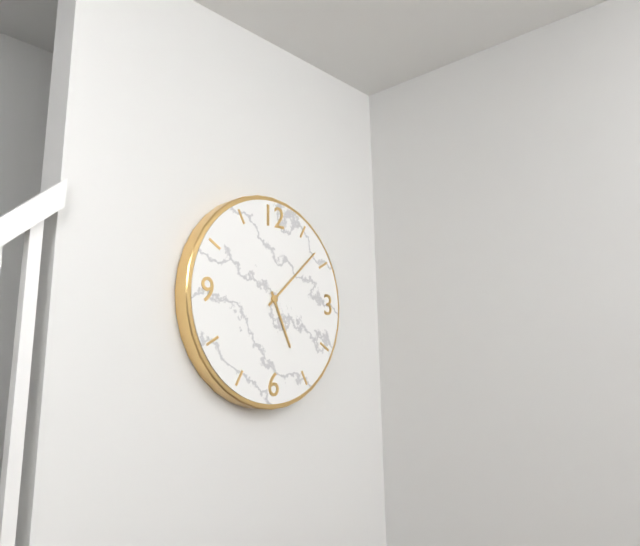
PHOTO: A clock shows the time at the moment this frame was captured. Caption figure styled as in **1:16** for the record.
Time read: **5:08**
